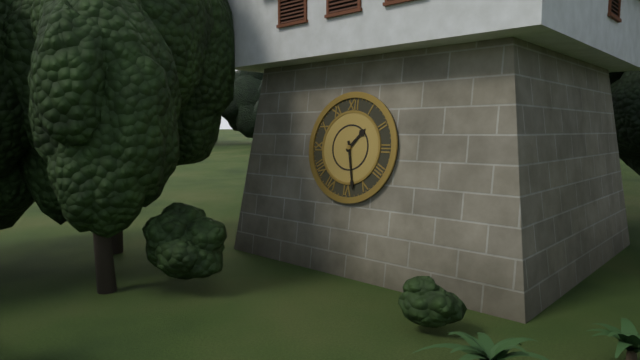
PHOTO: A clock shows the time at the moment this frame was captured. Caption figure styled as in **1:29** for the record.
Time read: **1:28**
